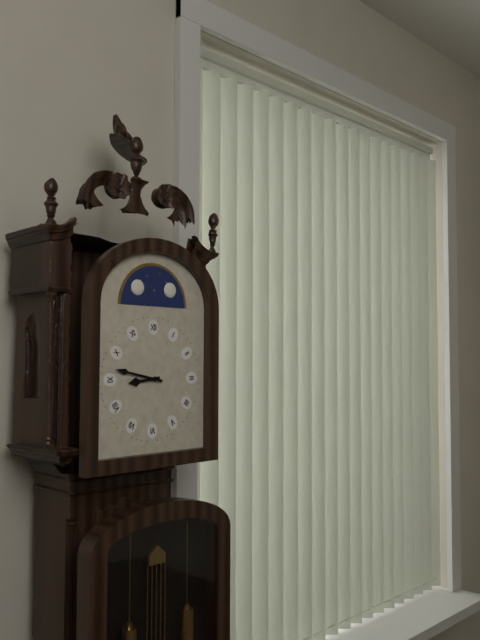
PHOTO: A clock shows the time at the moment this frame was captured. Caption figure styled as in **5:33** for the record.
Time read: **8:47**
